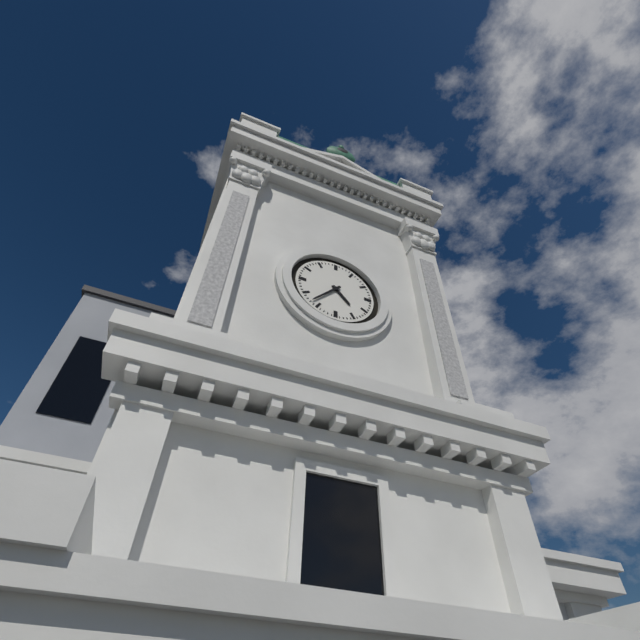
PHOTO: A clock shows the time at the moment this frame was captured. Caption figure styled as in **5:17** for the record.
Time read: **4:37**
